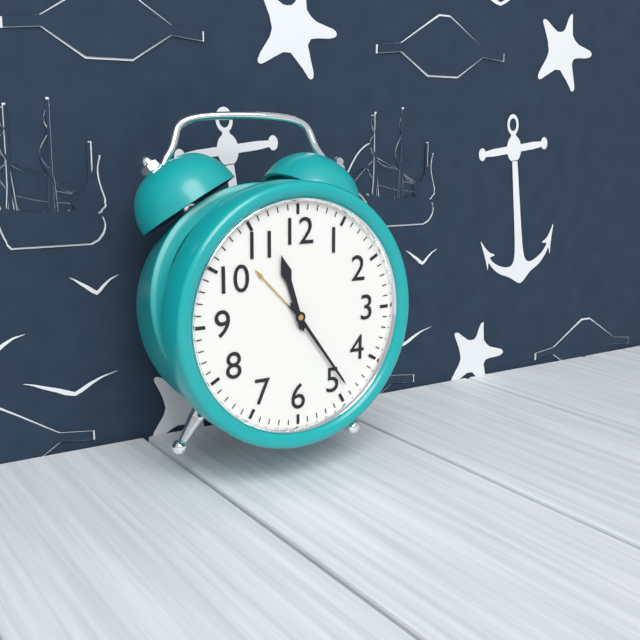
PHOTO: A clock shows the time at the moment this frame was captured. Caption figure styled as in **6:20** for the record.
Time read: **11:24**
